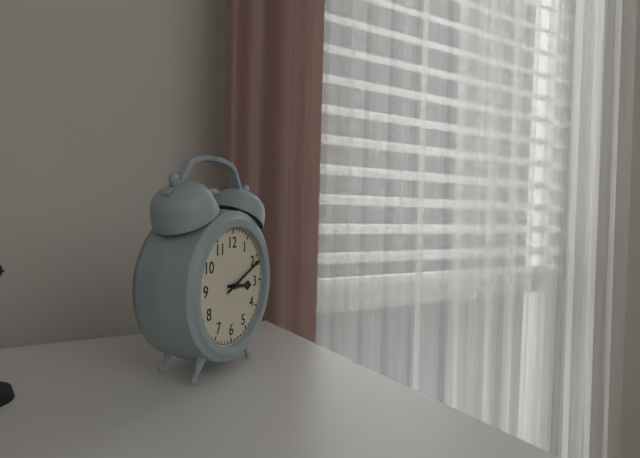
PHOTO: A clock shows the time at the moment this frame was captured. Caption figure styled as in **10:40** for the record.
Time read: **3:11**
